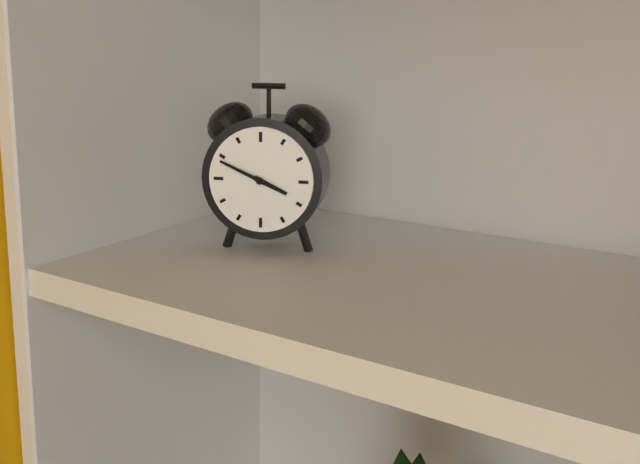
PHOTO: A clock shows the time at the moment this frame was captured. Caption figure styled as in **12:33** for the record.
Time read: **3:49**
